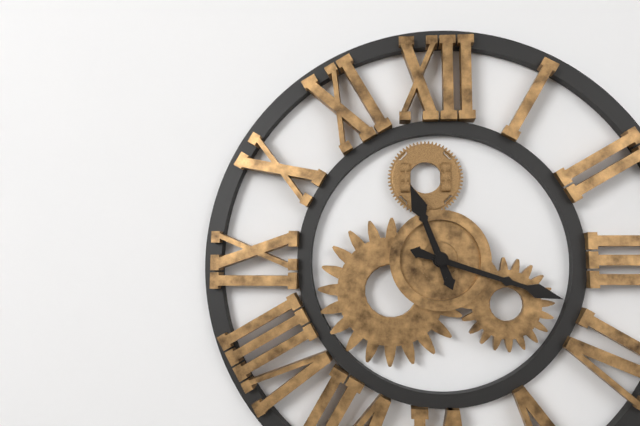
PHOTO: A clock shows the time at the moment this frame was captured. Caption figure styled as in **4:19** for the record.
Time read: **11:18**
